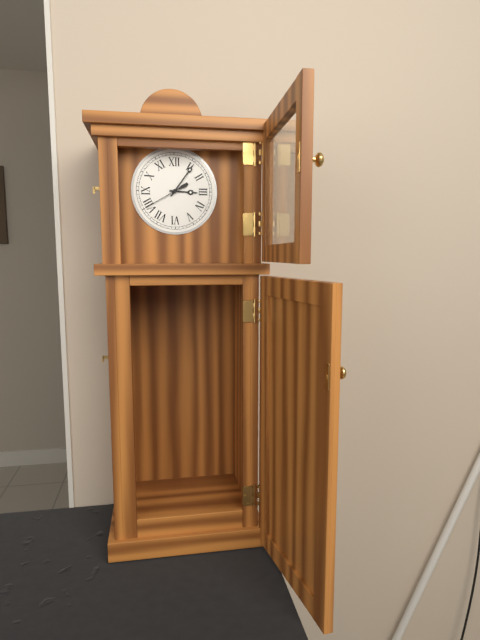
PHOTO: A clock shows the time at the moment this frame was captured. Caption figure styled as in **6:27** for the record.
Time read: **3:06**
